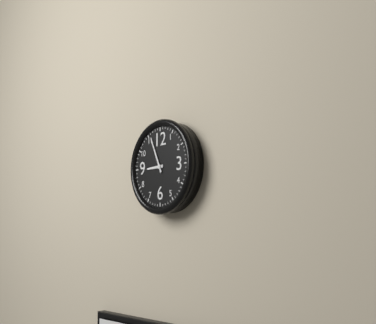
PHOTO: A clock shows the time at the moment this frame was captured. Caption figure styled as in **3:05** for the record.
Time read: **8:56**
